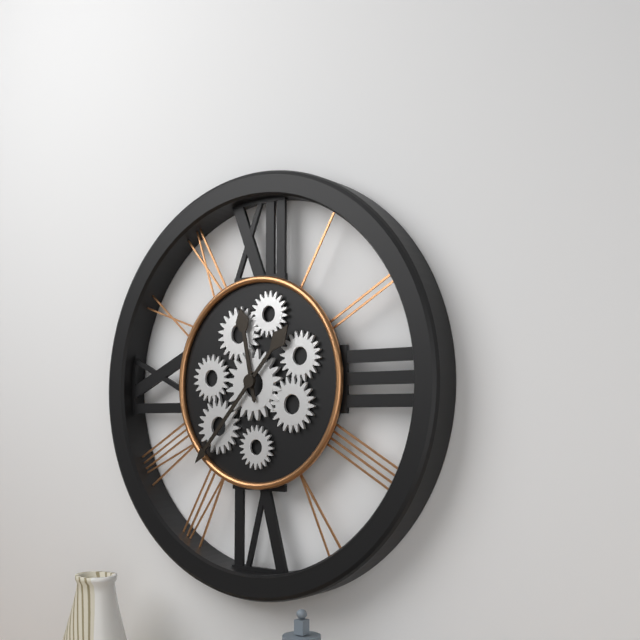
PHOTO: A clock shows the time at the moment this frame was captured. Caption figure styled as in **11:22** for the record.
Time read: **11:37**
